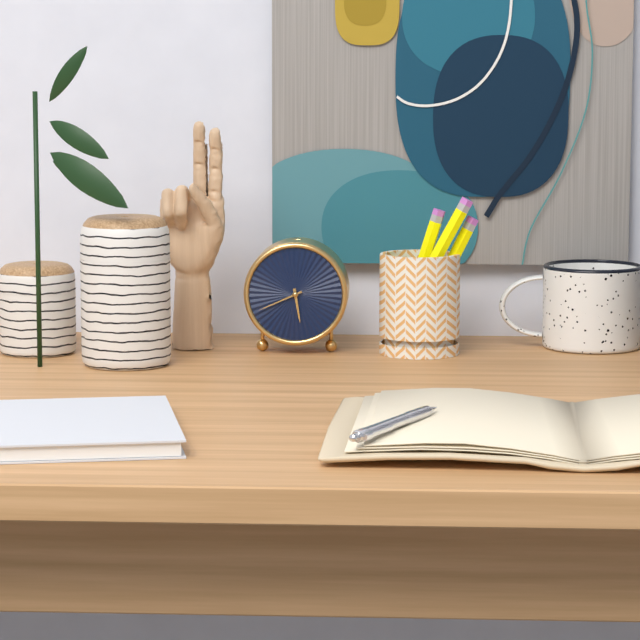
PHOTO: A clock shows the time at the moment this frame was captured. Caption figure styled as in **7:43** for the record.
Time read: **5:41**
